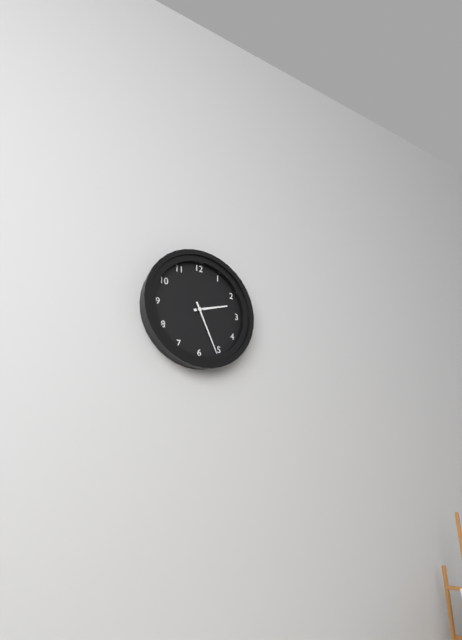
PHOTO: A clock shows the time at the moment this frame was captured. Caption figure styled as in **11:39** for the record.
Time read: **2:26**
